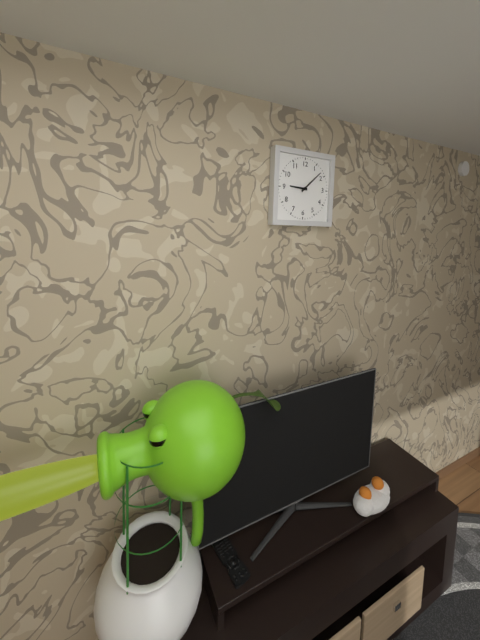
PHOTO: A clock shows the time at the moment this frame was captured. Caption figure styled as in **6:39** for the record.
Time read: **9:08**
